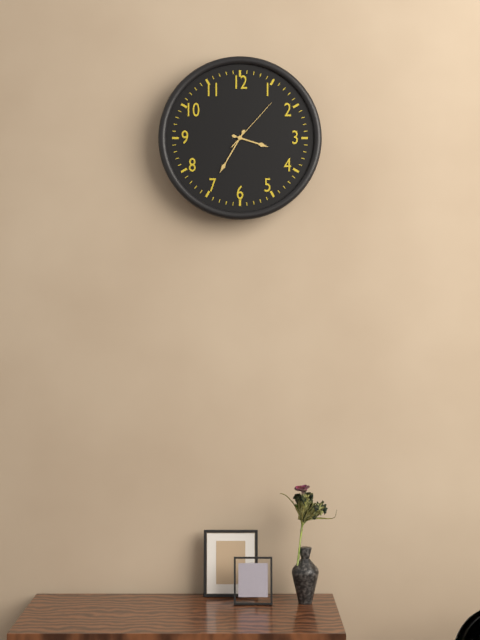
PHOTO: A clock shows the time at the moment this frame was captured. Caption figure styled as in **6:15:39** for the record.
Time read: **3:35:07**
